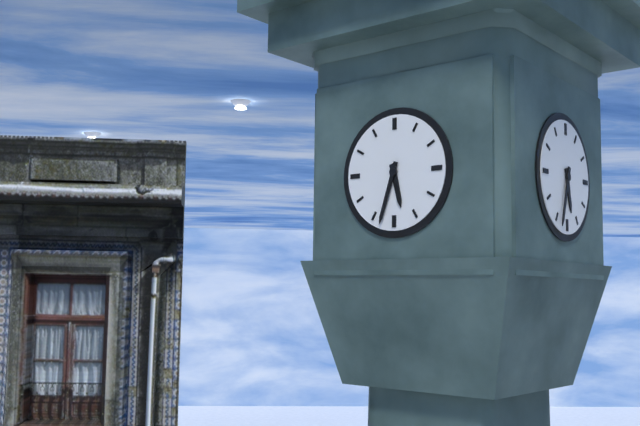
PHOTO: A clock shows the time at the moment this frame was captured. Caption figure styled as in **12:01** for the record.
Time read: **5:33**
